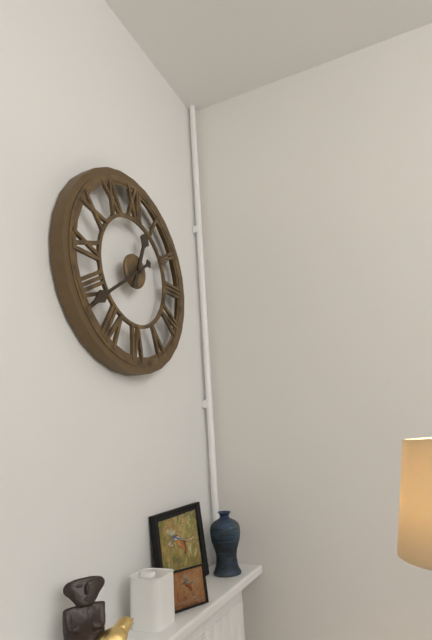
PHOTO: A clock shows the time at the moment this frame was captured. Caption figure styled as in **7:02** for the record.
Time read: **12:39**
